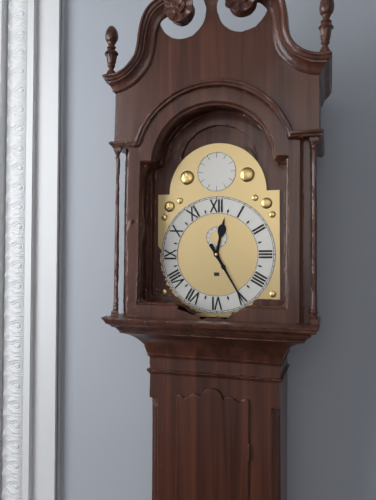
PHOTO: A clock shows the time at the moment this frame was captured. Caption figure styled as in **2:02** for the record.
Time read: **12:25**
